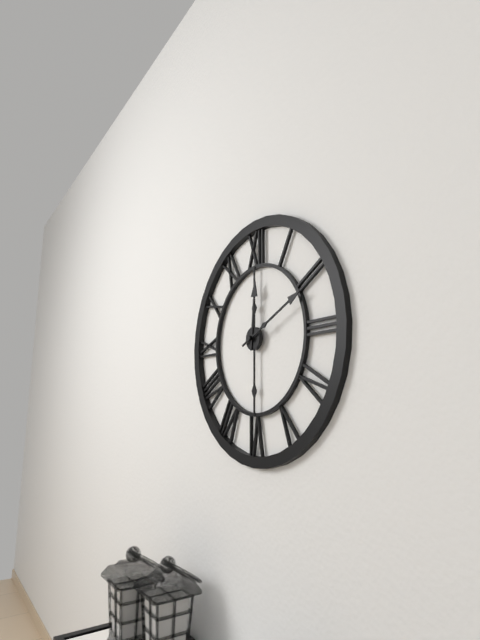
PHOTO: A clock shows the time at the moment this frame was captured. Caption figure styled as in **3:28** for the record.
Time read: **12:11**
